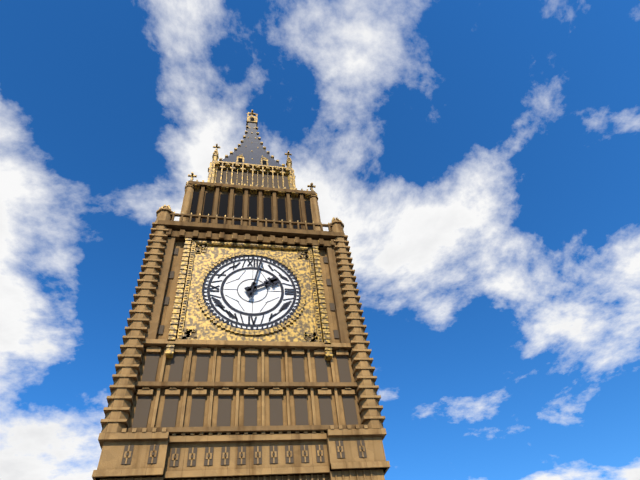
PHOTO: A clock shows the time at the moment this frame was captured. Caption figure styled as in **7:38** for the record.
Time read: **2:02**
